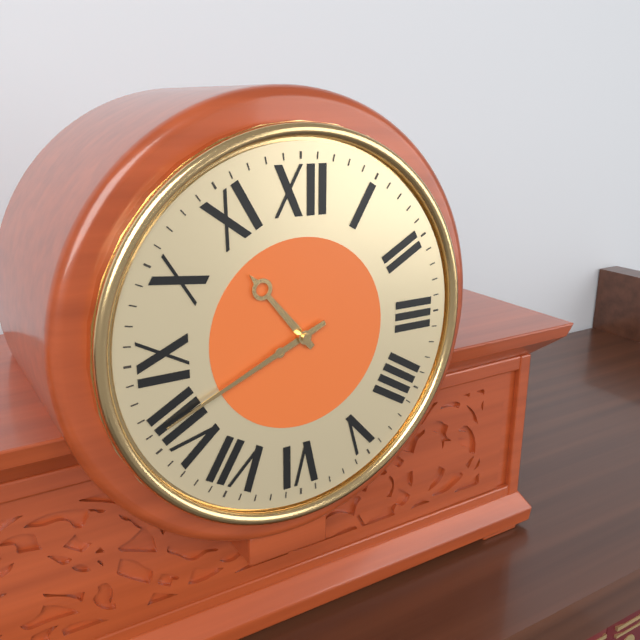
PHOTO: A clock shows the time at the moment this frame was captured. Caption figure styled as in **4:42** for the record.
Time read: **10:41**
